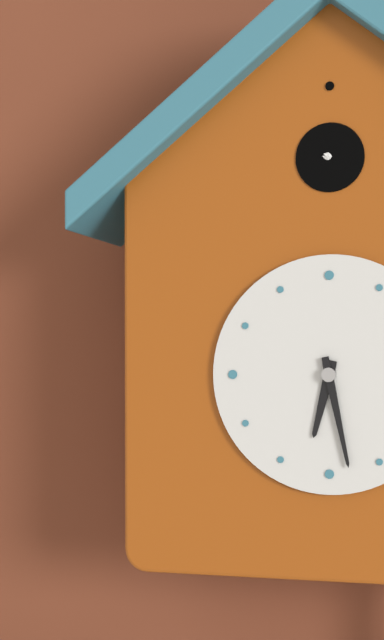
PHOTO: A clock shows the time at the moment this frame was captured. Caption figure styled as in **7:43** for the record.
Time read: **6:28**
